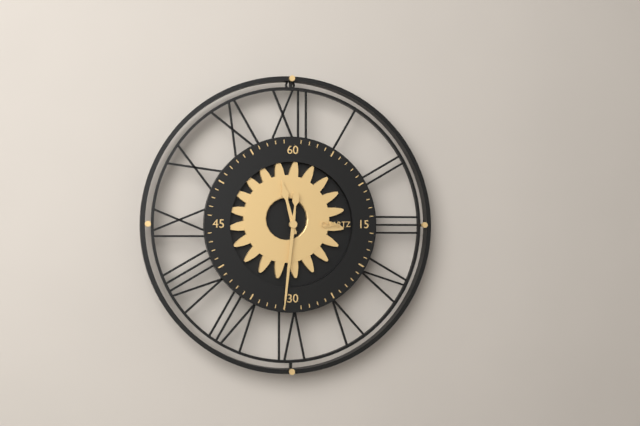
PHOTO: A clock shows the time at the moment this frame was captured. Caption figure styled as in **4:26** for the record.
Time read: **11:31**
